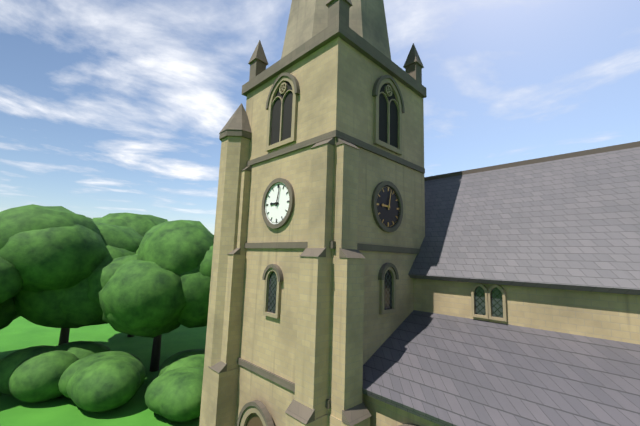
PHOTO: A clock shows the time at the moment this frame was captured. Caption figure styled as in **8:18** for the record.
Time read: **9:02**
